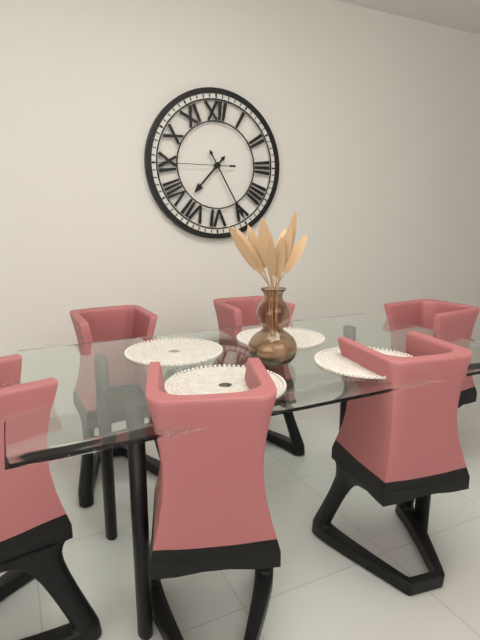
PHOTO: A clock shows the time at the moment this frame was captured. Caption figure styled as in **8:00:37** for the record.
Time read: **7:25:45**
